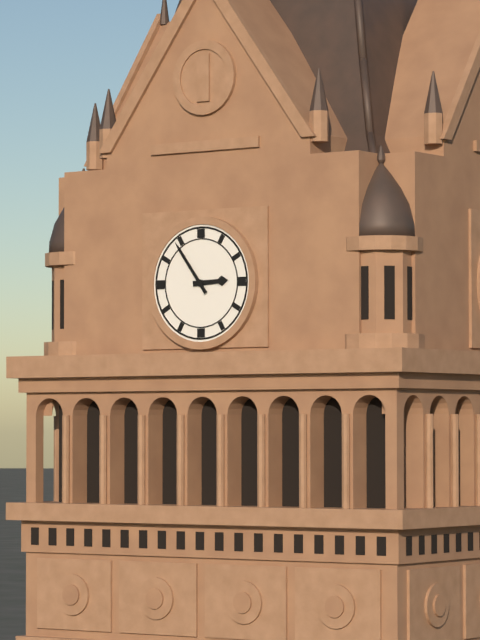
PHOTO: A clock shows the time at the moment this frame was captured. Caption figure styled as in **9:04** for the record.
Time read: **2:54**
